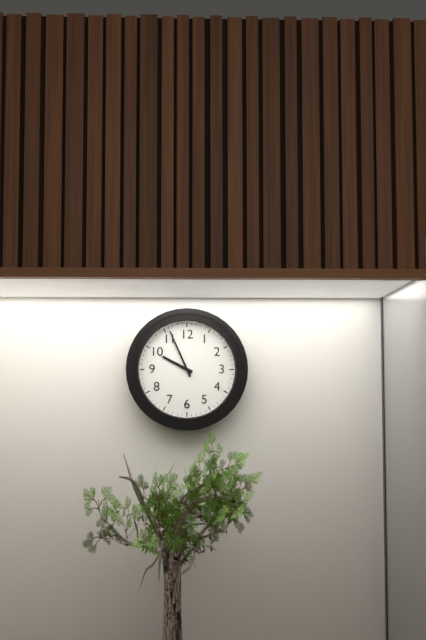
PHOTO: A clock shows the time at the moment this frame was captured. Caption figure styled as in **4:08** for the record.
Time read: **9:56**
